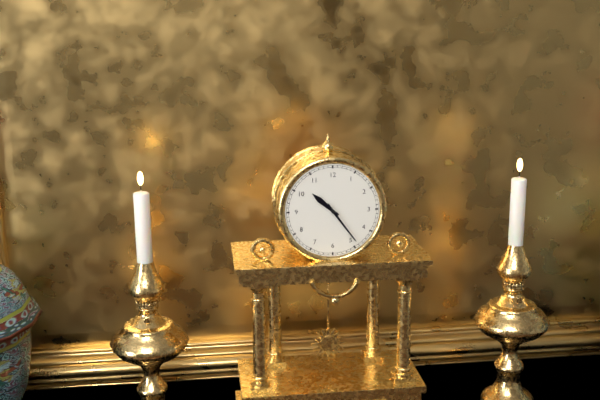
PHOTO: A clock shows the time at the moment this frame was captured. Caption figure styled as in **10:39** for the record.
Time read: **10:24**
